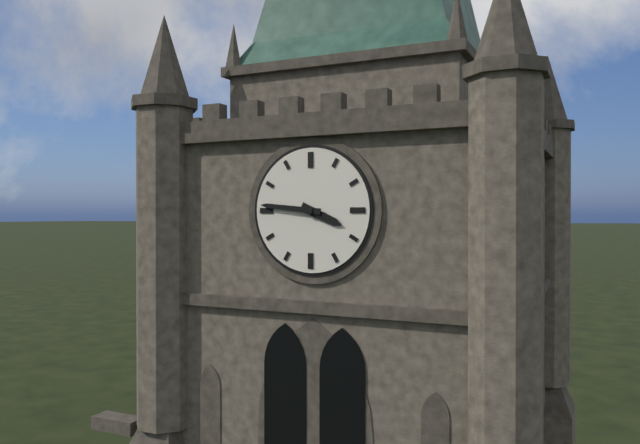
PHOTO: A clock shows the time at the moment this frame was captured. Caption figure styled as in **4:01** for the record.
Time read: **3:46**
